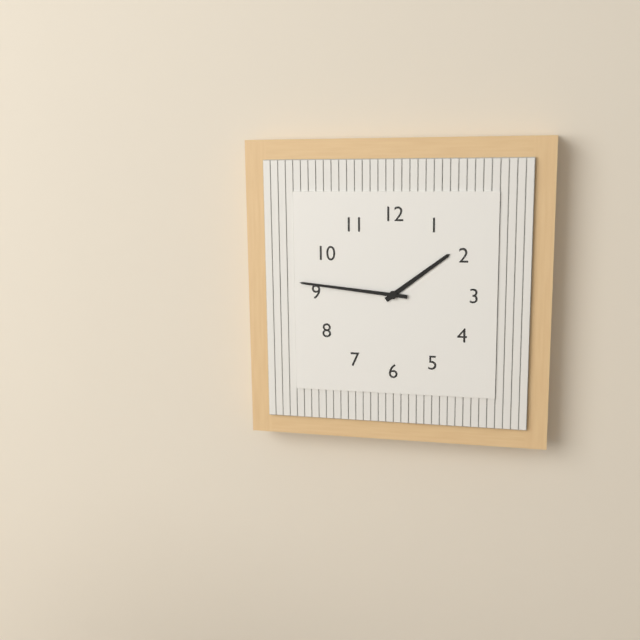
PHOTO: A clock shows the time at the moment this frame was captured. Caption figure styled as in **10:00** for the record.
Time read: **1:46**
